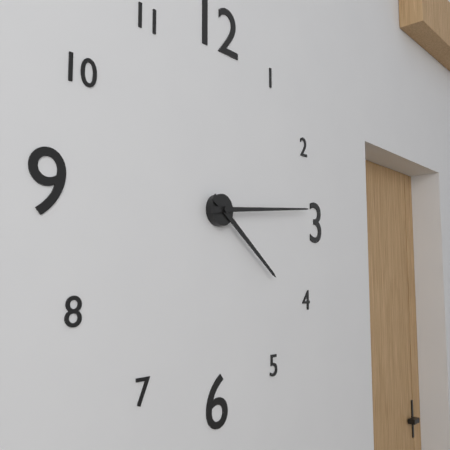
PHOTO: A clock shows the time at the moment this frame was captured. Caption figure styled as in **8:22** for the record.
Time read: **4:14**
